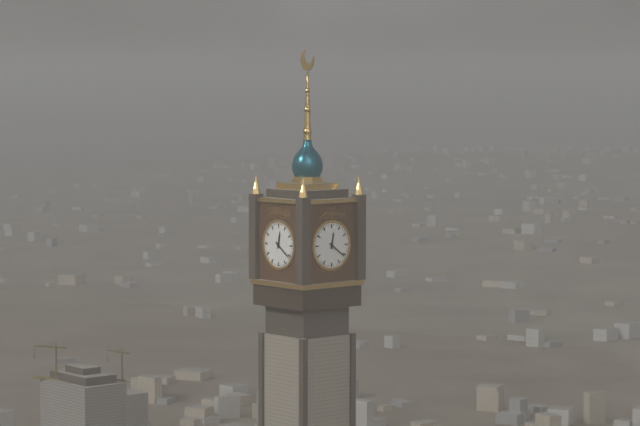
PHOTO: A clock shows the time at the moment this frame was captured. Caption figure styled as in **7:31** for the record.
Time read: **12:21**
